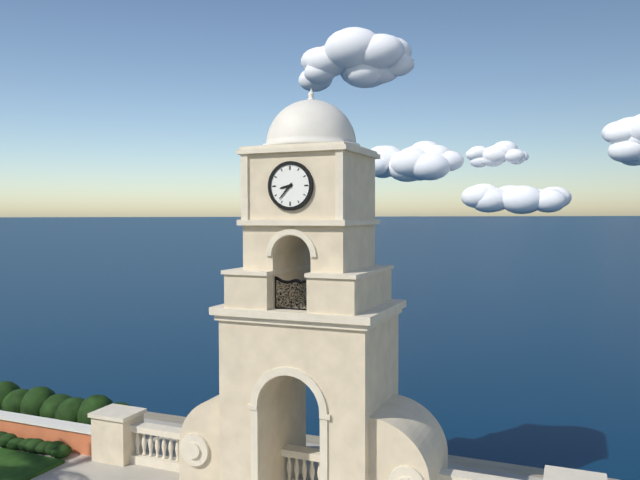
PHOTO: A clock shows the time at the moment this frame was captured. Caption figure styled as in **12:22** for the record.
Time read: **8:37**
